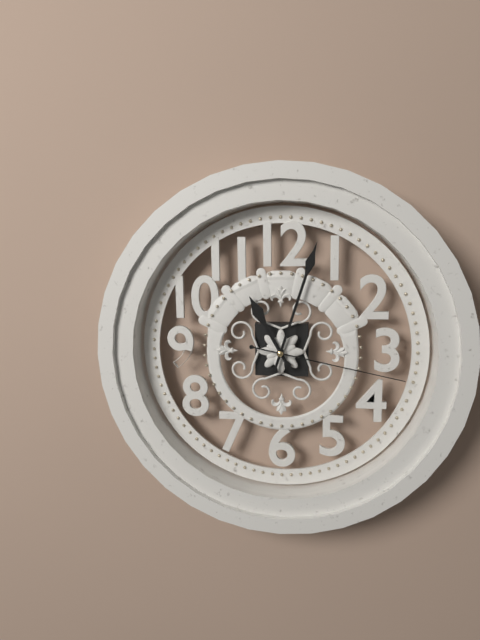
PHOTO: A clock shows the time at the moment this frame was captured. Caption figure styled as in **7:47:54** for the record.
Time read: **11:03:17**
